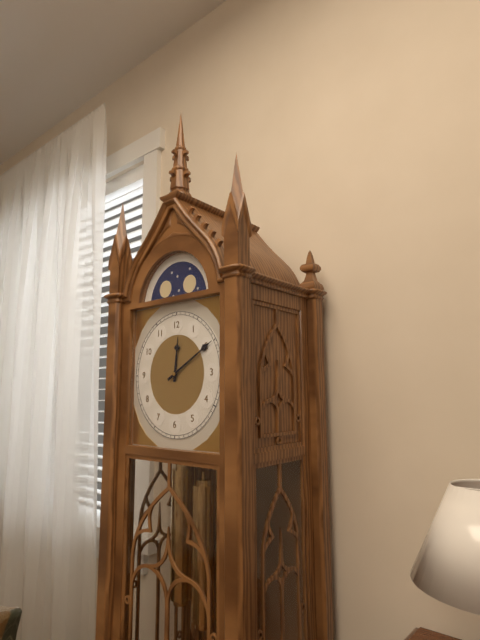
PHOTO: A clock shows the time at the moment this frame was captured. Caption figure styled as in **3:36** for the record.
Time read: **12:10**
